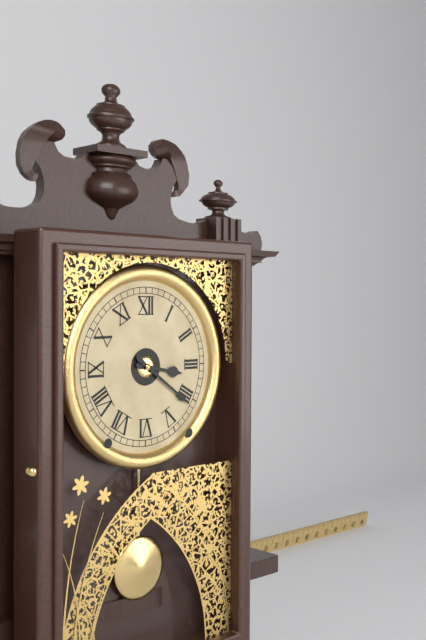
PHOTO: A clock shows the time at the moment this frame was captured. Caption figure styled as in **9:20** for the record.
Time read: **3:21**
